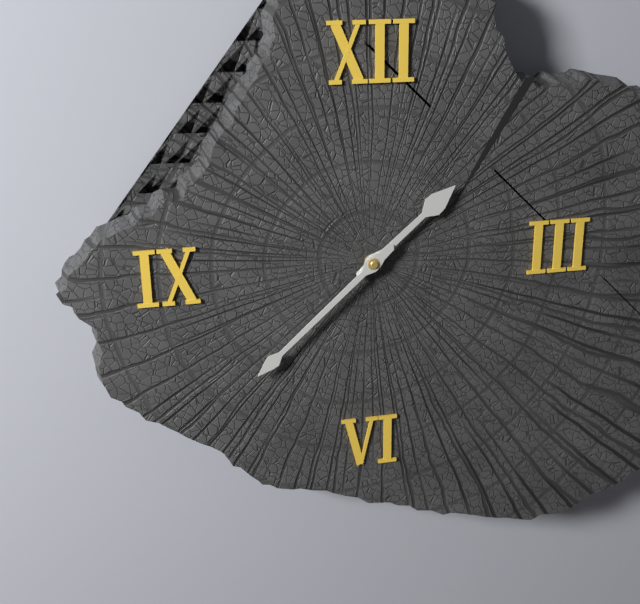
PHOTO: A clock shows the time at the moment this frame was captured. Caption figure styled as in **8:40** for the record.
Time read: **1:38**
